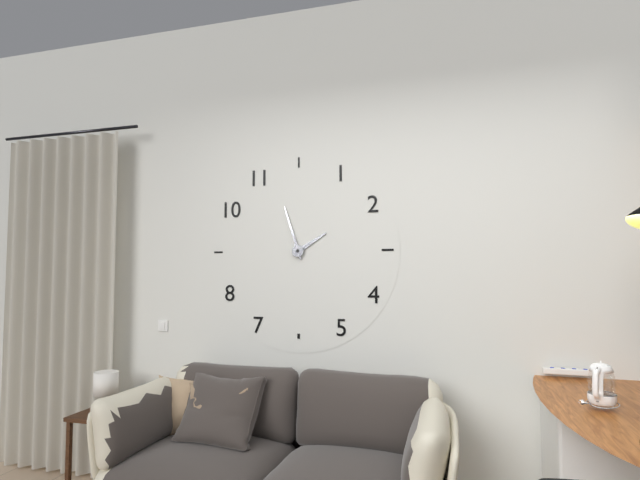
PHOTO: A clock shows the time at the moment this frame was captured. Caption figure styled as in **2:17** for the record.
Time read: **1:57**
